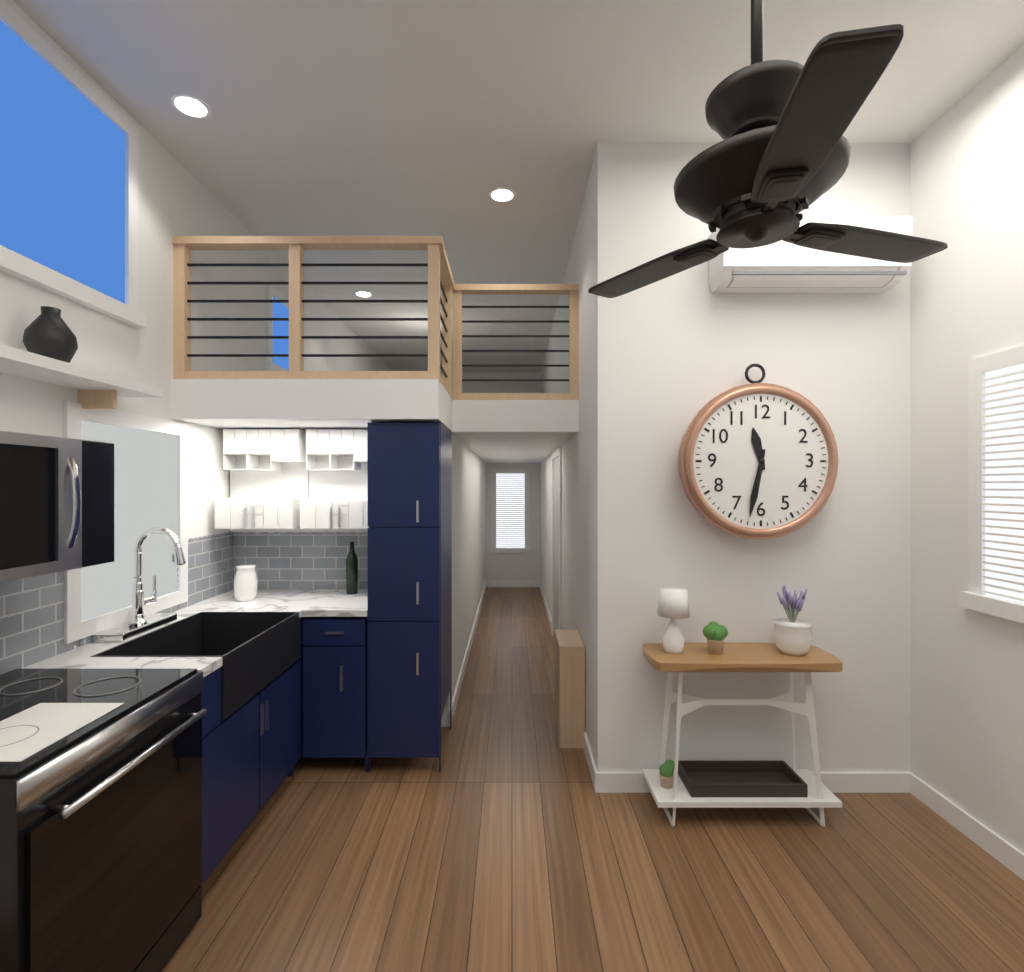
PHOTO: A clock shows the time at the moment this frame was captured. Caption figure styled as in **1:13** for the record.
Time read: **11:32**
